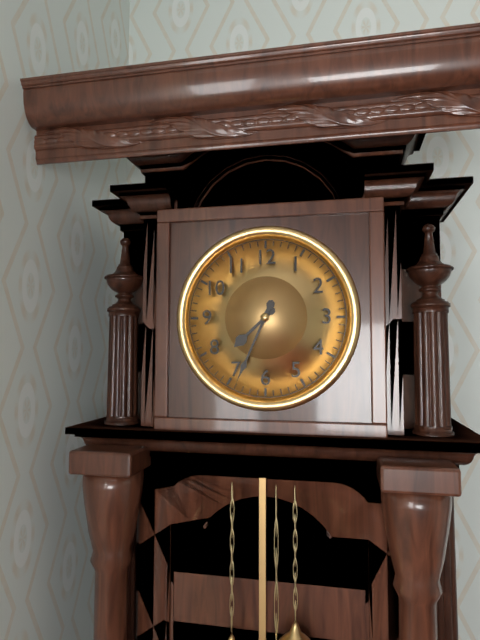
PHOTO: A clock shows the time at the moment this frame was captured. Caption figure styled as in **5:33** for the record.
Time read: **7:34**
